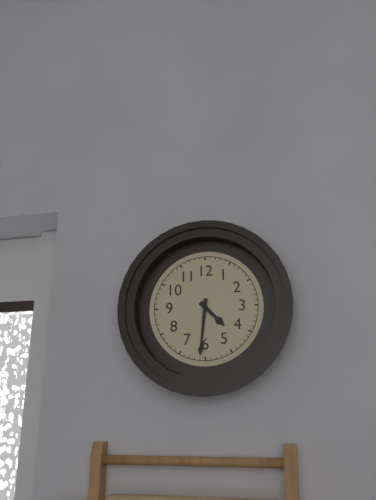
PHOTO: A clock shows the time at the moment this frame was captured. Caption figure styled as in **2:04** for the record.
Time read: **4:31**
